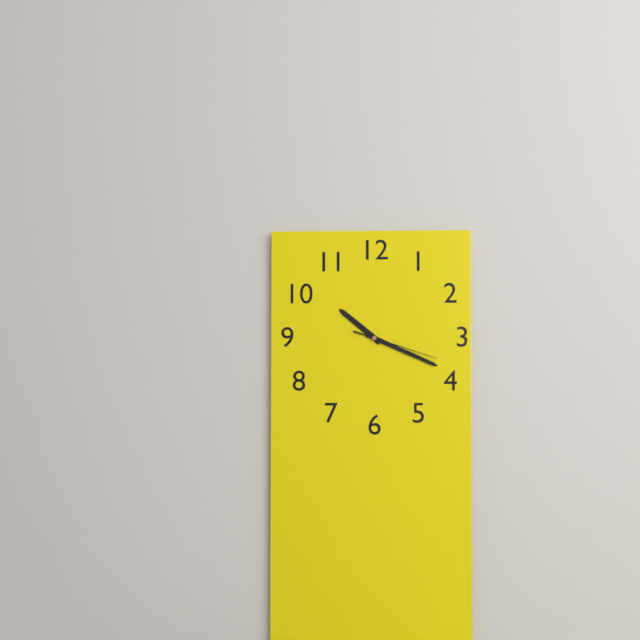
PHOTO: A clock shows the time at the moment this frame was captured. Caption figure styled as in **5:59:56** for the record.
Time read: **10:19:18**
